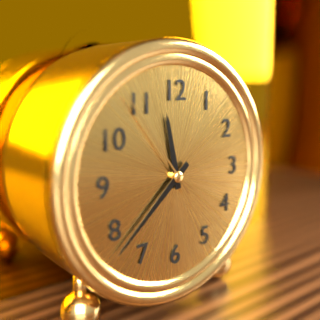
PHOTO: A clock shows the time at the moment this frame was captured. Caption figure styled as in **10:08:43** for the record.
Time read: **11:38:54**
